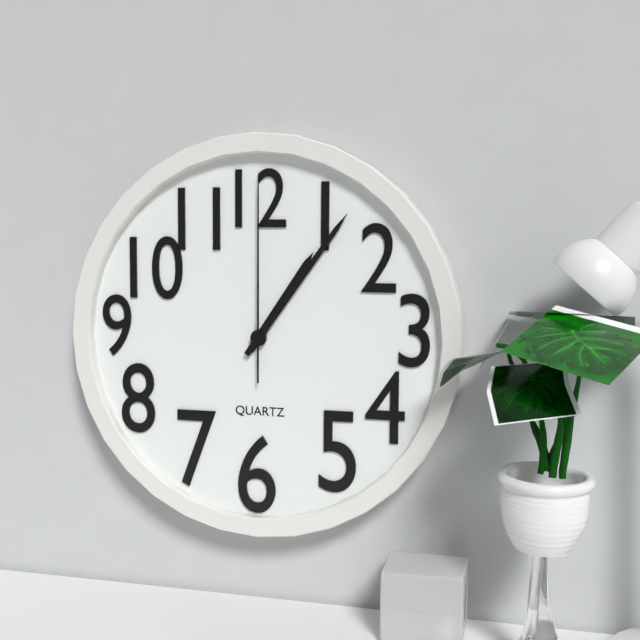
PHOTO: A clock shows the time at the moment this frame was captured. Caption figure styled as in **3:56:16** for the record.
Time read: **1:06:00**
